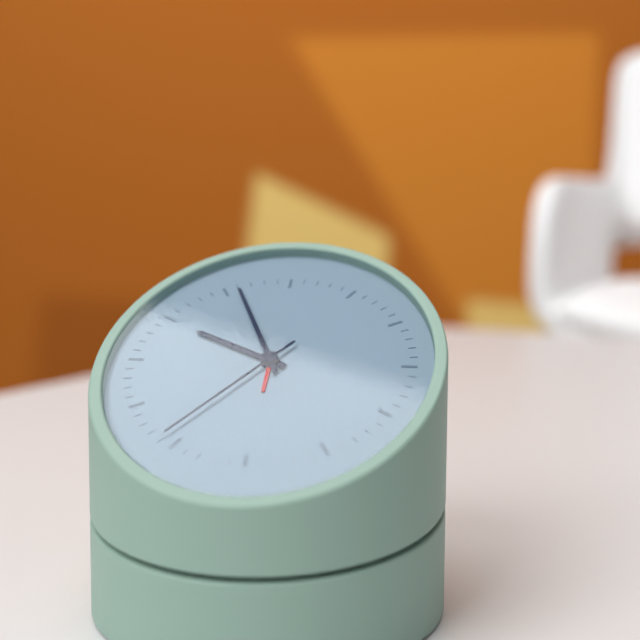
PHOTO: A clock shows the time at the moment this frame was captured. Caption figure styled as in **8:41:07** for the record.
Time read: **9:56:36**
